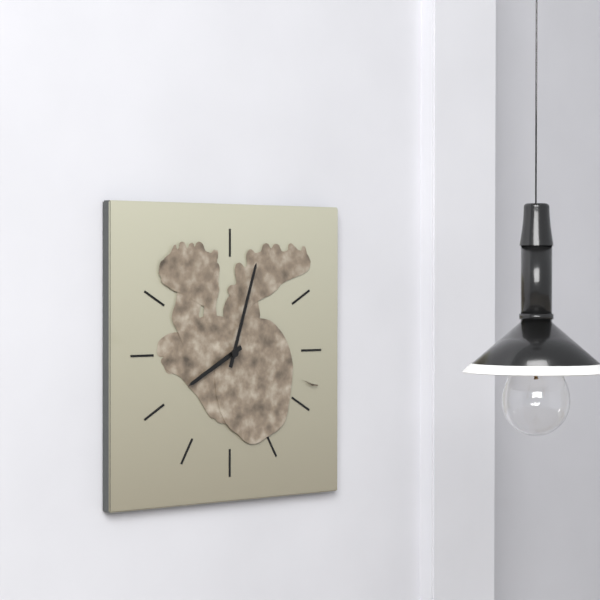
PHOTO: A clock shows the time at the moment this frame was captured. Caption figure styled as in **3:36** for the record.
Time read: **8:03**
